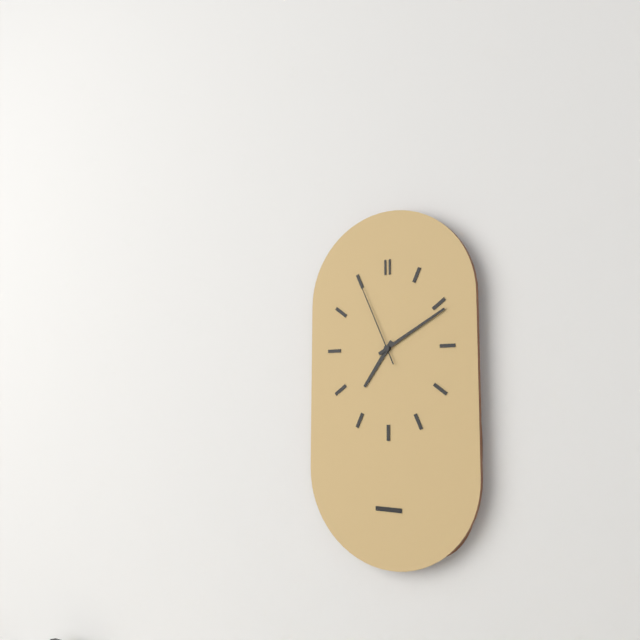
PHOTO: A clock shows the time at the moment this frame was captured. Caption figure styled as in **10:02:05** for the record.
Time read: **7:10:56**
